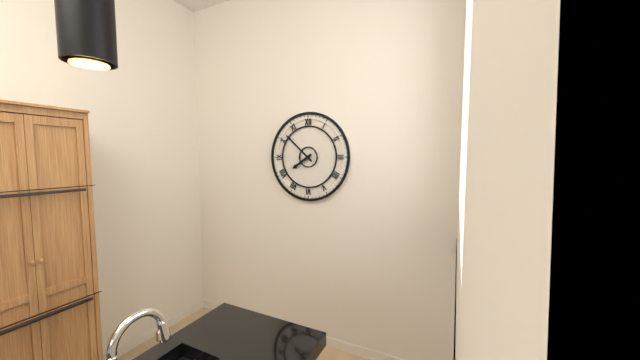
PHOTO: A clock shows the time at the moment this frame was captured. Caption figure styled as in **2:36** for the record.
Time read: **7:52**
